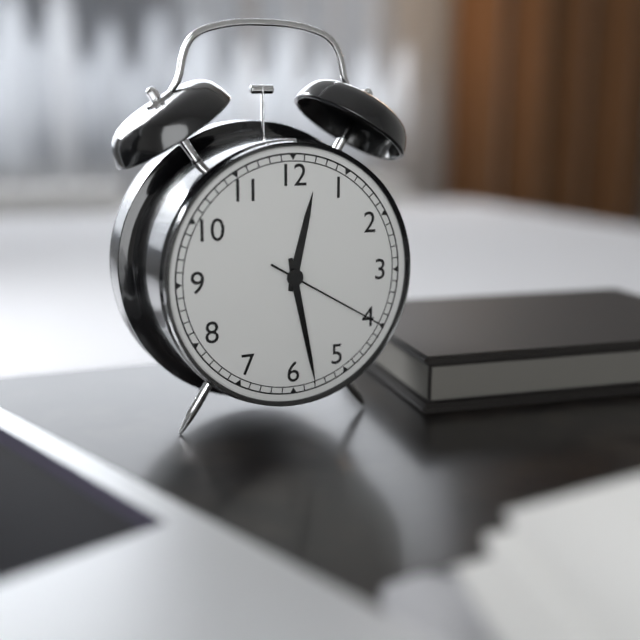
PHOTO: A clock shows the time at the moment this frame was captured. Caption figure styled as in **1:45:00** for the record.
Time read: **12:28:20**
